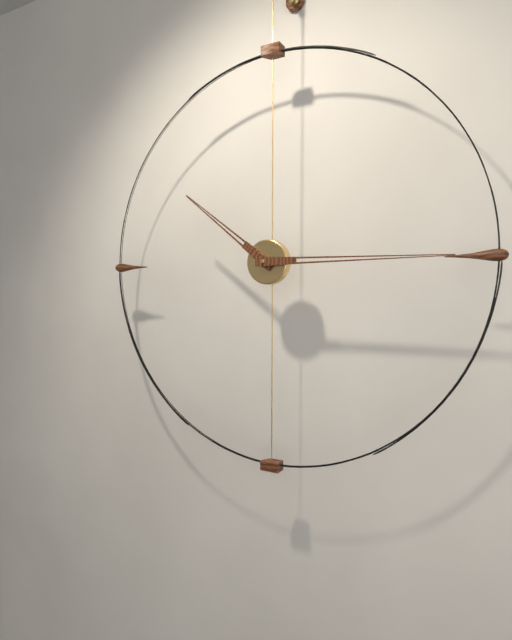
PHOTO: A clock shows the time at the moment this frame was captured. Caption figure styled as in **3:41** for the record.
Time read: **10:15**
